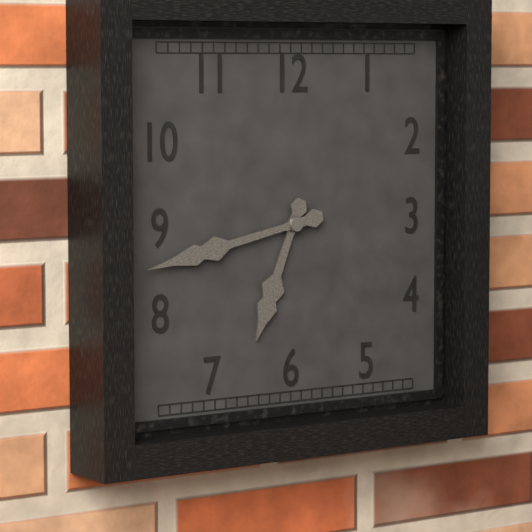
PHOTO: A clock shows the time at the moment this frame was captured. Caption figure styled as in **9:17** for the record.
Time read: **6:43**
